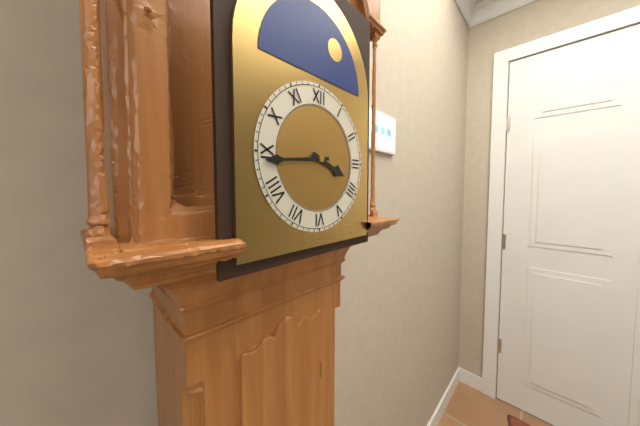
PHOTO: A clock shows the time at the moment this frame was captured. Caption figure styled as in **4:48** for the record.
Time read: **3:44**
